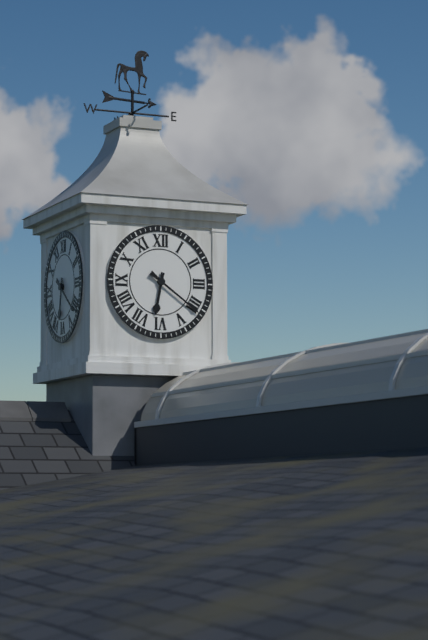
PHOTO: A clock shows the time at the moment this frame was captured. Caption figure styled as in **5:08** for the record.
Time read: **6:21**
